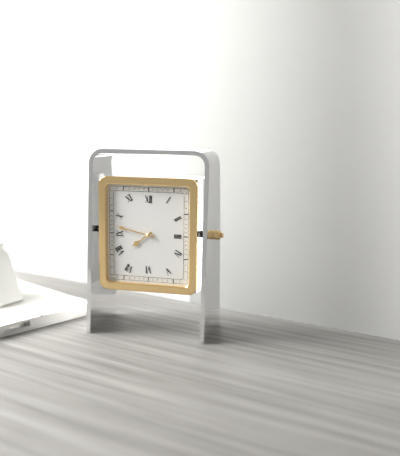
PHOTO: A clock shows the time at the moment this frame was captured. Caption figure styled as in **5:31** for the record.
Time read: **7:47**
